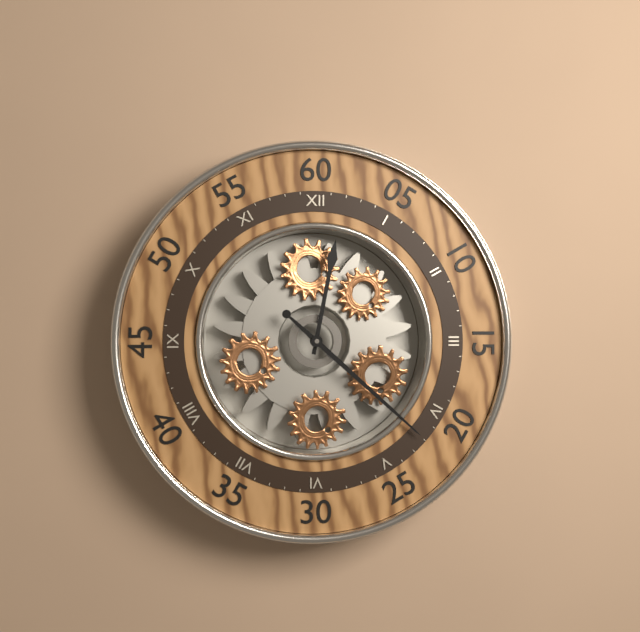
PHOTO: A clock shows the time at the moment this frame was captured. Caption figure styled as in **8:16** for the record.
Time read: **12:22**
